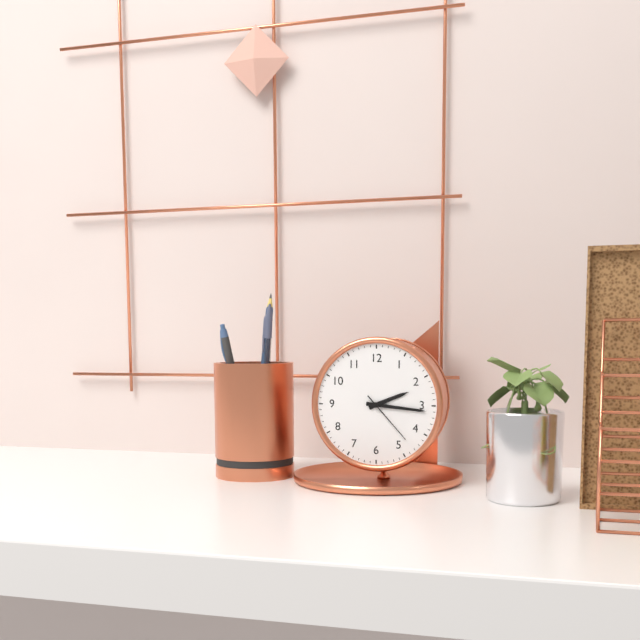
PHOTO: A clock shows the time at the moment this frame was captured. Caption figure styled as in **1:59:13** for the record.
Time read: **2:16:23**
